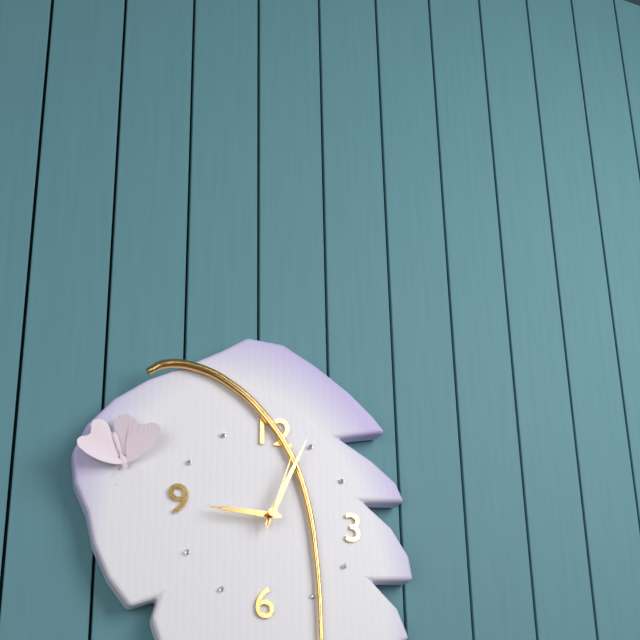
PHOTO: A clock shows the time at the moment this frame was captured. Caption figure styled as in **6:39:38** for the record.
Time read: **9:04:03**
